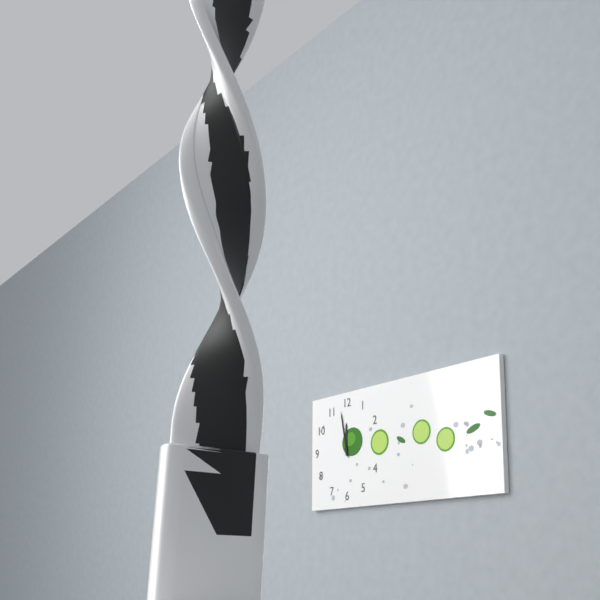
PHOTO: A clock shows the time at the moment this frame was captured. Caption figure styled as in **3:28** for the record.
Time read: **11:58**
